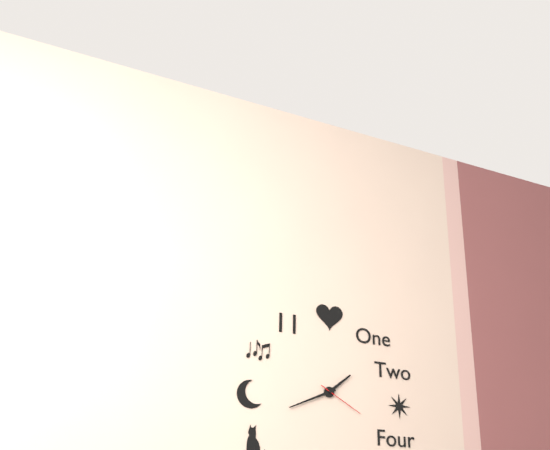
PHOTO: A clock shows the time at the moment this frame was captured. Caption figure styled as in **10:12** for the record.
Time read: **1:41**
